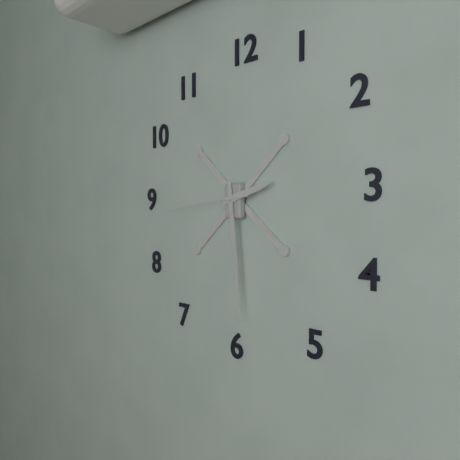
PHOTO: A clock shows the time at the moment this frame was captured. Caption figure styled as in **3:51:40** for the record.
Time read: **2:29:44**
